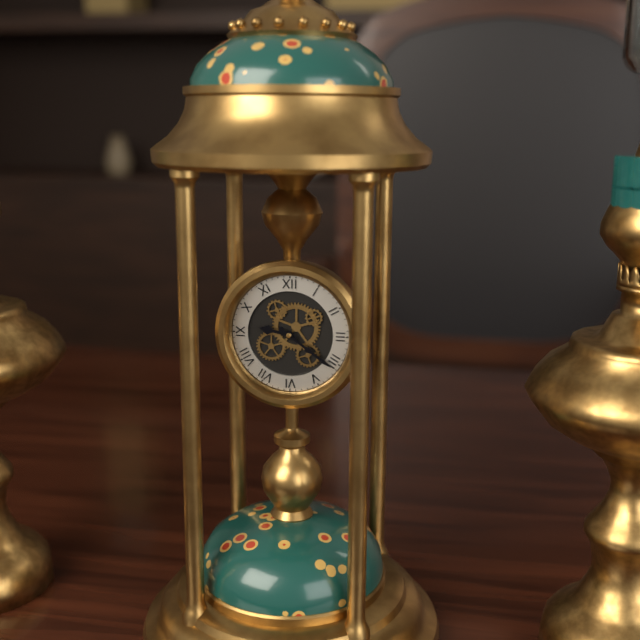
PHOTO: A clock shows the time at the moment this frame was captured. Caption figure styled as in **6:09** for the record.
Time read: **9:21**
